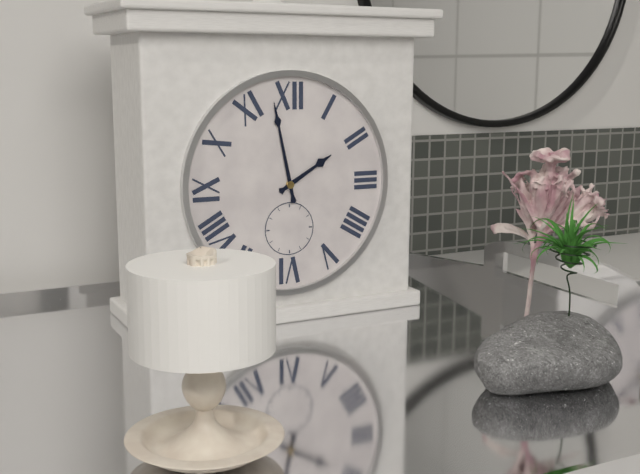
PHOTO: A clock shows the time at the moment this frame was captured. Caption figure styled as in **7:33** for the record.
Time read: **1:58**
